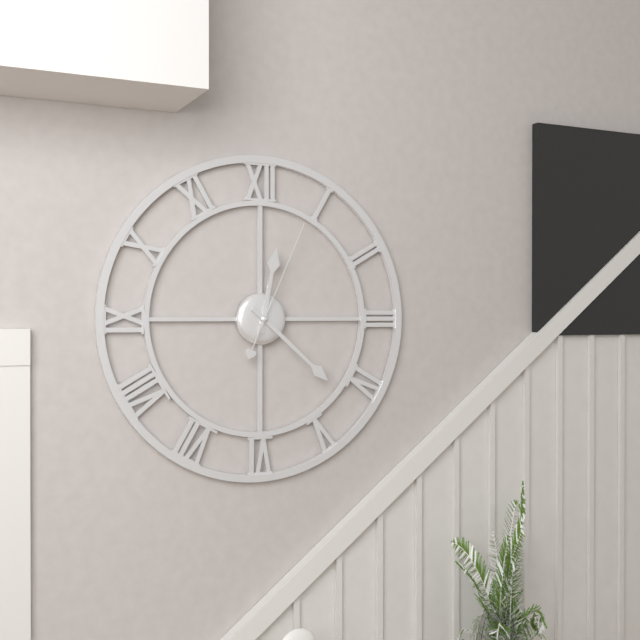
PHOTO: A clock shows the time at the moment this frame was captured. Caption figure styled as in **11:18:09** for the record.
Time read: **12:22:04**
